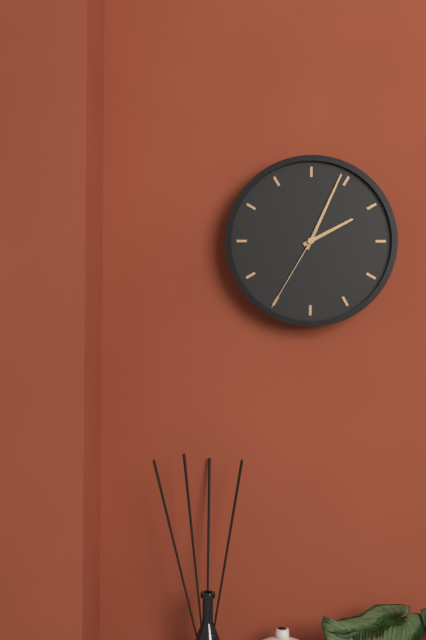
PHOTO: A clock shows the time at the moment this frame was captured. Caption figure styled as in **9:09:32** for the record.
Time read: **2:04:35**
